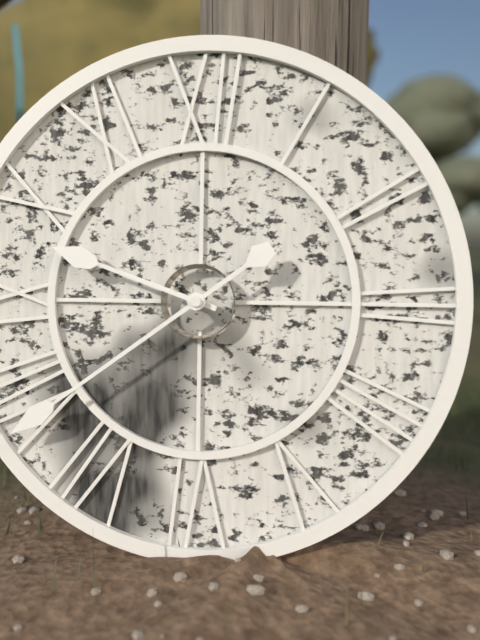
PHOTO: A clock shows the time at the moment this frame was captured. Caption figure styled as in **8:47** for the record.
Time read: **9:39**
